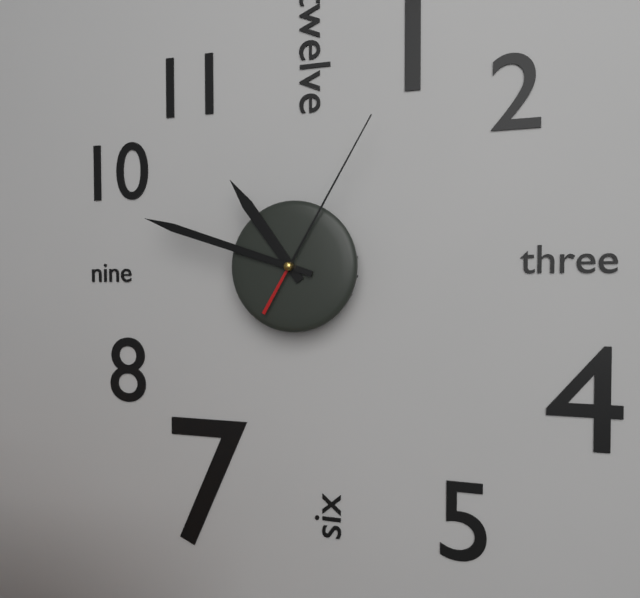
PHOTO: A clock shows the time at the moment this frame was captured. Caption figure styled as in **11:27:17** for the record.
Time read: **10:48:05**
